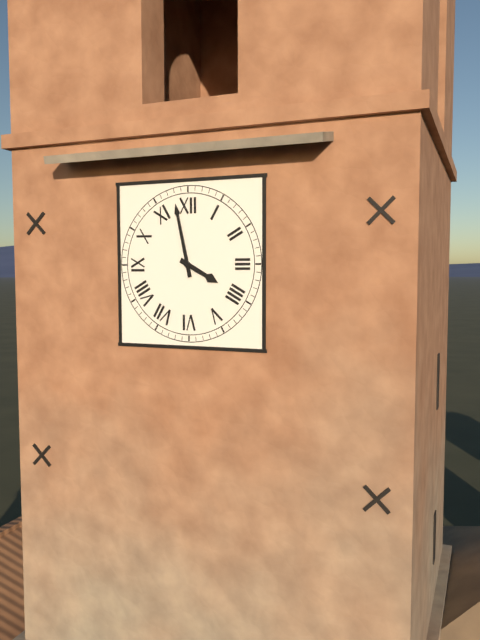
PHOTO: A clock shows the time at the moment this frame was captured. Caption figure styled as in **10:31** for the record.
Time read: **3:58**
